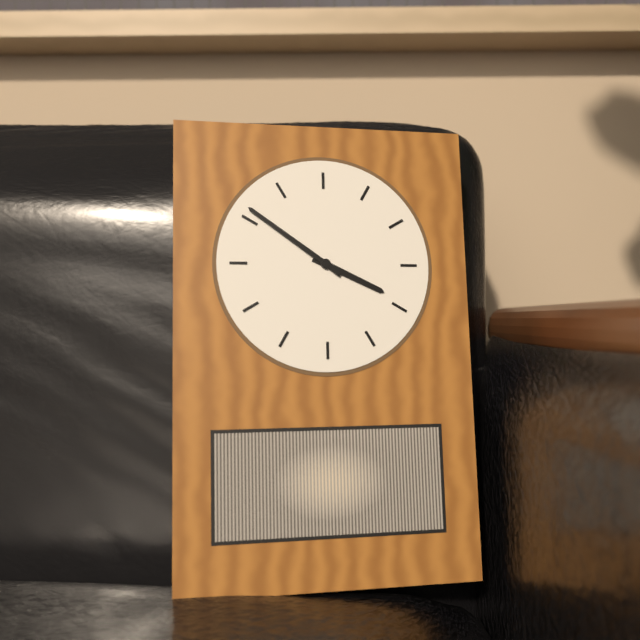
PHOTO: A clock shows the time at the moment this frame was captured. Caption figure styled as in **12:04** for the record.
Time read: **3:51**
